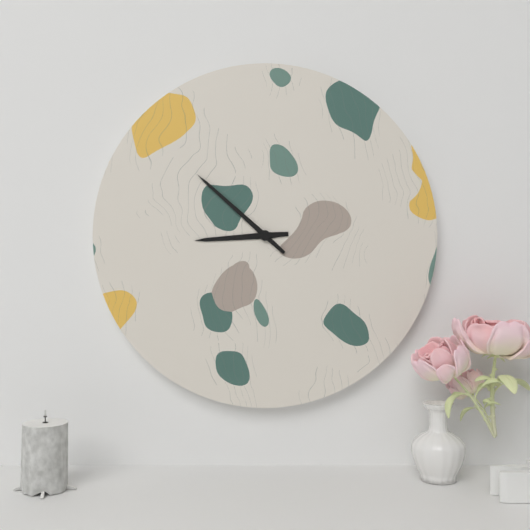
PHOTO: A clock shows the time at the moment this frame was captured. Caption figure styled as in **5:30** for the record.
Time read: **8:52**
